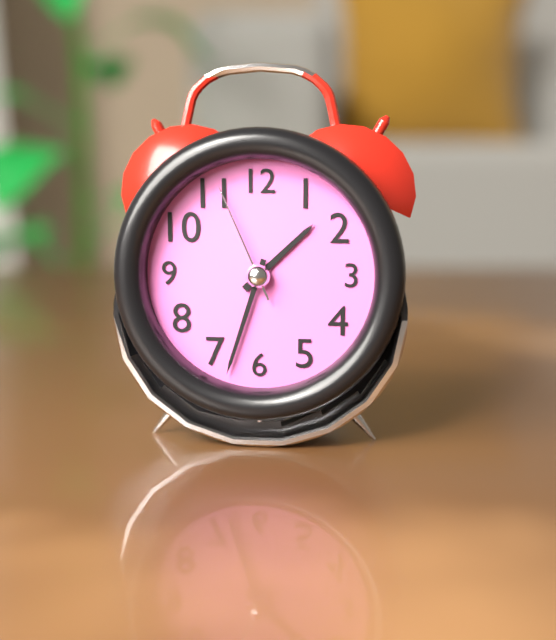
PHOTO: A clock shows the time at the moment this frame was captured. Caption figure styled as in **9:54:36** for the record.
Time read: **1:33:56**
